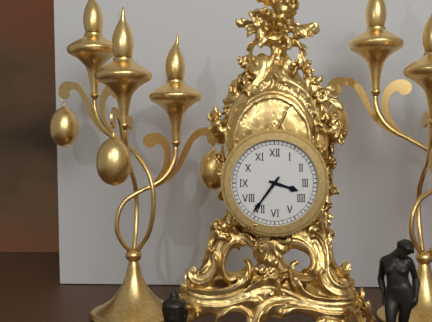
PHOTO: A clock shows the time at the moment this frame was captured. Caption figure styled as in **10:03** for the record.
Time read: **3:36**
